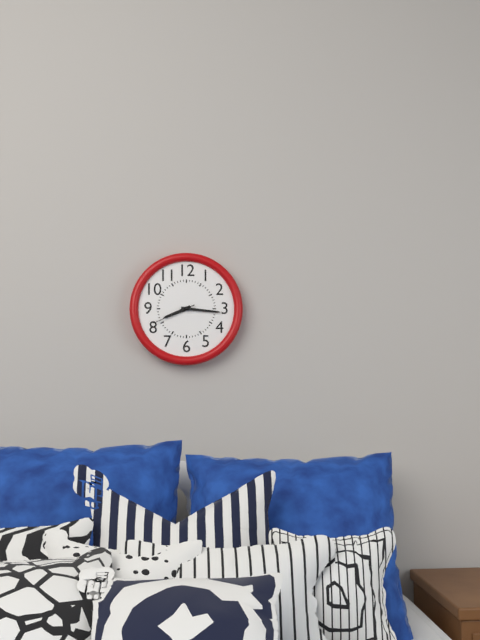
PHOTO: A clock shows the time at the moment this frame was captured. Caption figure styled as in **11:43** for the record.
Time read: **8:16**
